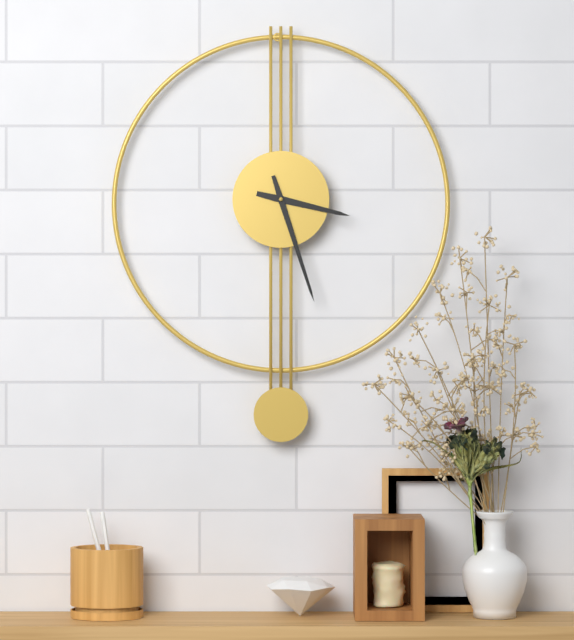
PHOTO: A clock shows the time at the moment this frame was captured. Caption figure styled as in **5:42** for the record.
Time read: **3:27**
